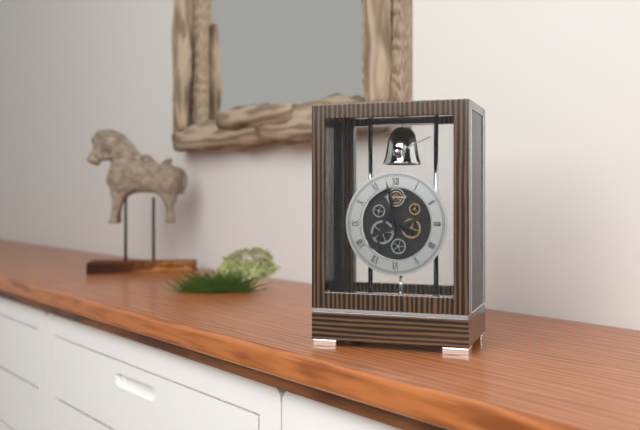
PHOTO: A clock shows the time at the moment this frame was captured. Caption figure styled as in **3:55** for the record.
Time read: **3:58**
